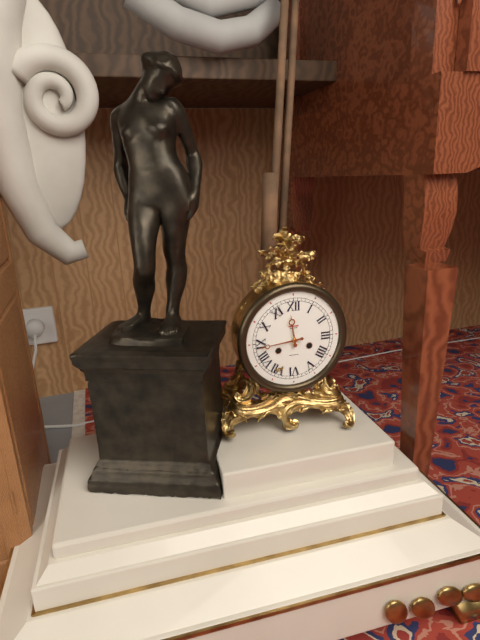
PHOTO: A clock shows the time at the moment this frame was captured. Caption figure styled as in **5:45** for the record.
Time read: **11:44**
